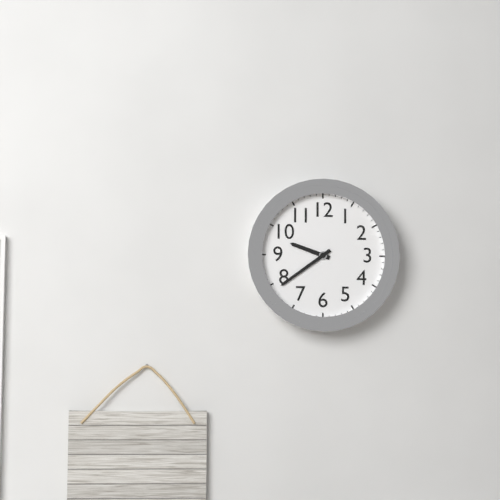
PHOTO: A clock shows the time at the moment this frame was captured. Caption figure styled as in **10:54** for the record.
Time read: **9:39**
